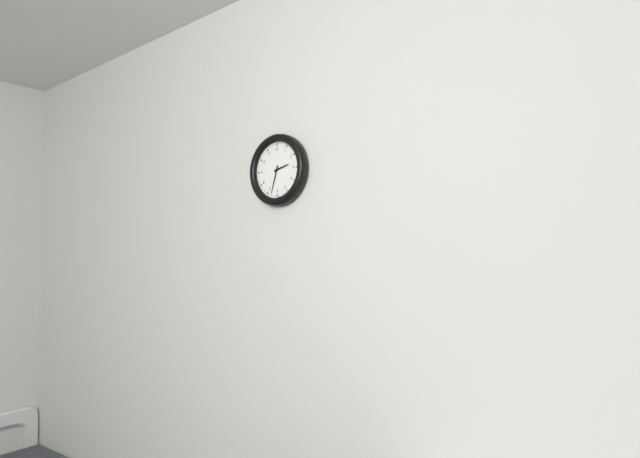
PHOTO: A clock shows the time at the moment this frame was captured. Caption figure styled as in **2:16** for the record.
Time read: **2:33**
